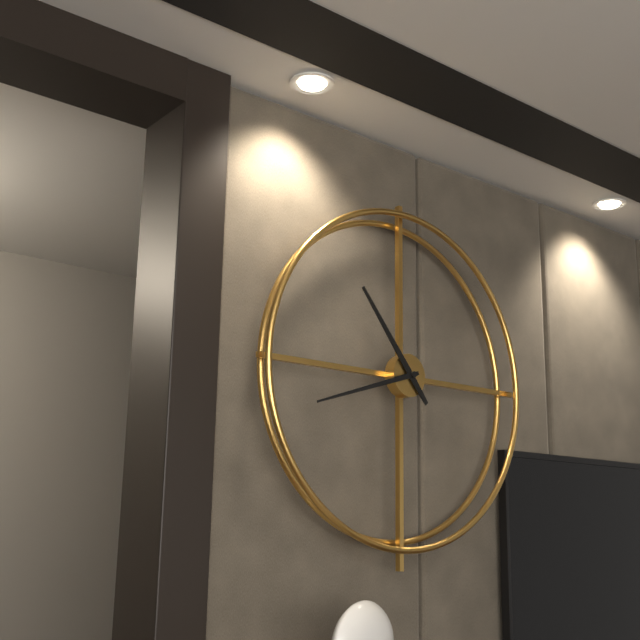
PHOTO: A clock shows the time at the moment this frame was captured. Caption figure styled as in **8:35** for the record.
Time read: **10:42**
